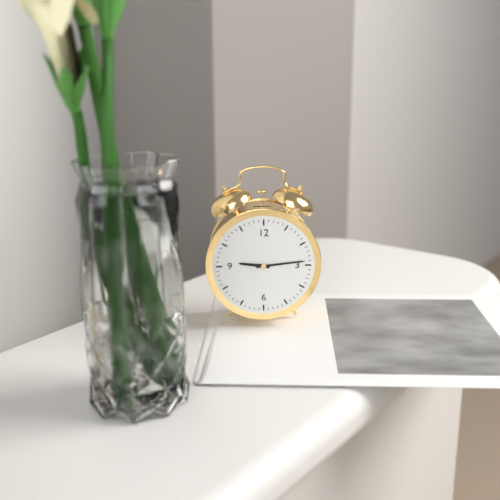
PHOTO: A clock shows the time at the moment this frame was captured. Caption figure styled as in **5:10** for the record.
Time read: **9:14**
